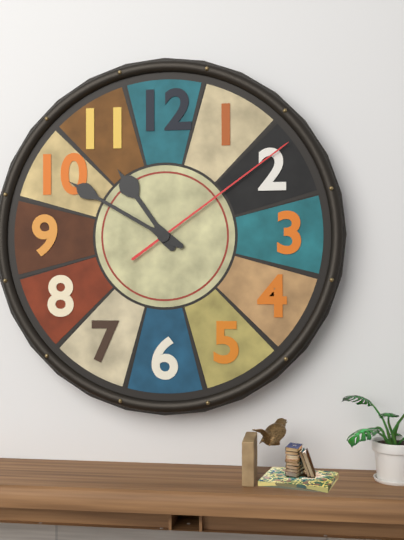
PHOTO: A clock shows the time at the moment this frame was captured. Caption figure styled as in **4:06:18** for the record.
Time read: **10:50:09**
